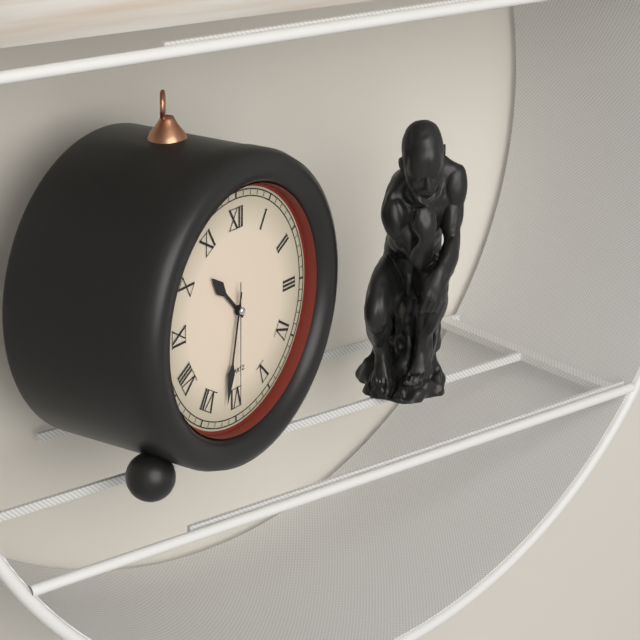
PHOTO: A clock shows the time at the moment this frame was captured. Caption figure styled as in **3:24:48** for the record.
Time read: **10:32:30**
